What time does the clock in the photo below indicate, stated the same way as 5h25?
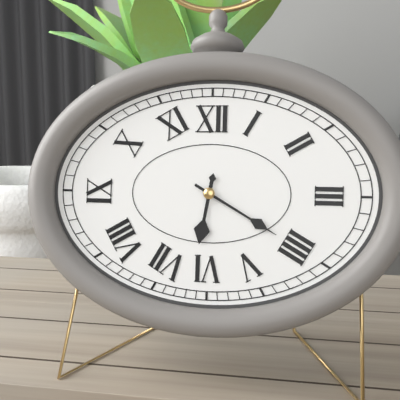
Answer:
6h20
